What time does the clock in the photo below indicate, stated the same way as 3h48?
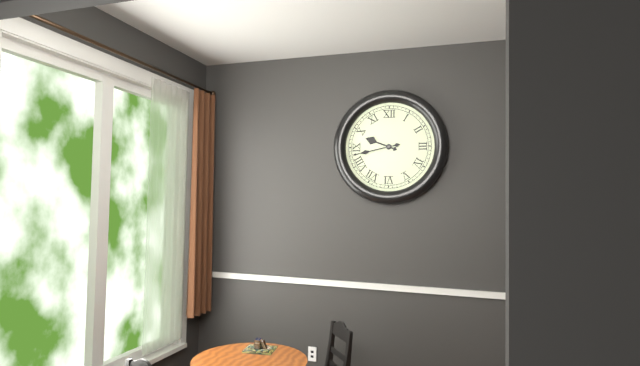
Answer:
9h43
